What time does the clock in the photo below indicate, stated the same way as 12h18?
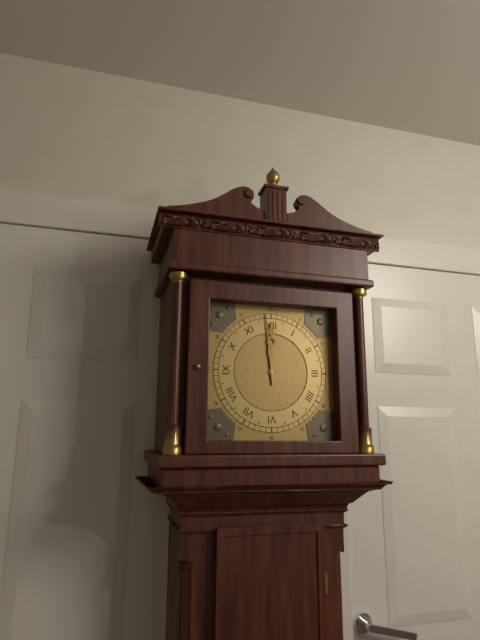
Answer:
11h59
